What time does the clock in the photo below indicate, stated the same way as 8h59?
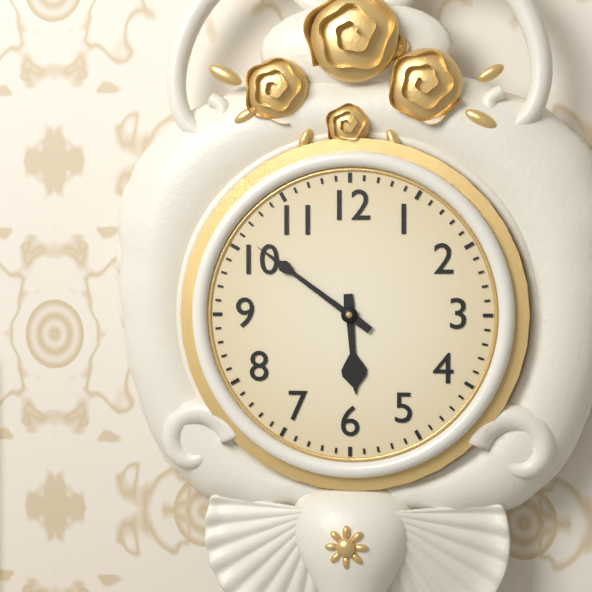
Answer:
5h51
